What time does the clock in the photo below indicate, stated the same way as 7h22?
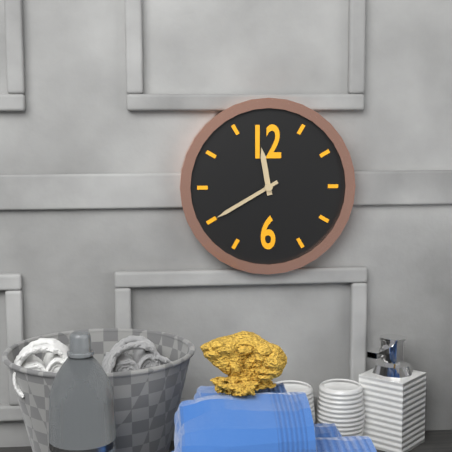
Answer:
11h40
